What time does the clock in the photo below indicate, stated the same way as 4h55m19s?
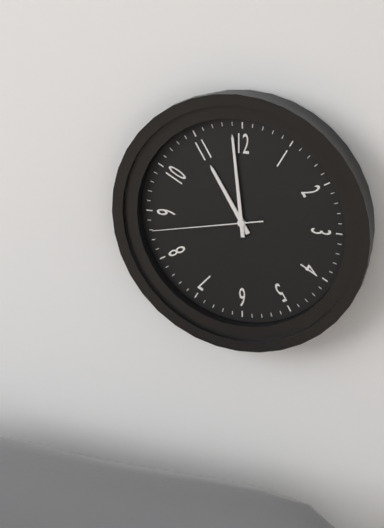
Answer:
10h59m43s
